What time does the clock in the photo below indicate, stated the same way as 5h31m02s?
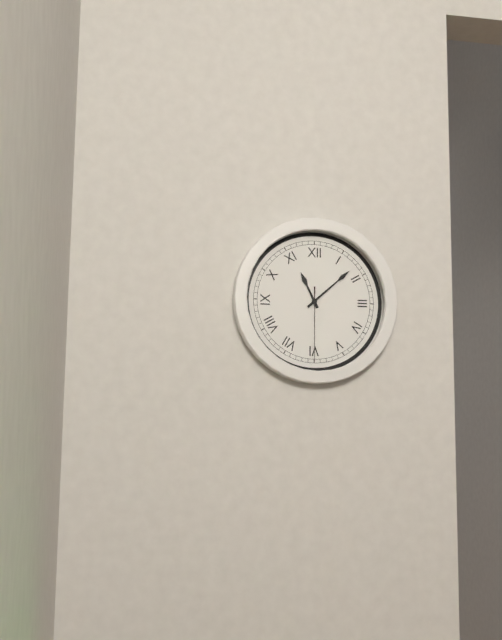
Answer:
11h08m30s
